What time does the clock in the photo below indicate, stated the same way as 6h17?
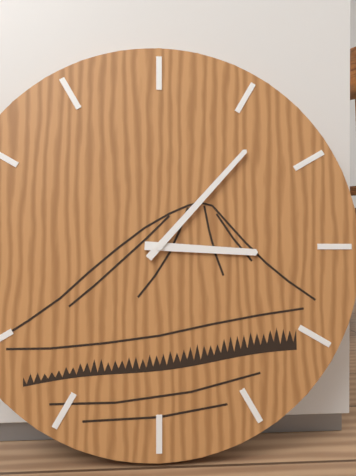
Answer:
3h07
